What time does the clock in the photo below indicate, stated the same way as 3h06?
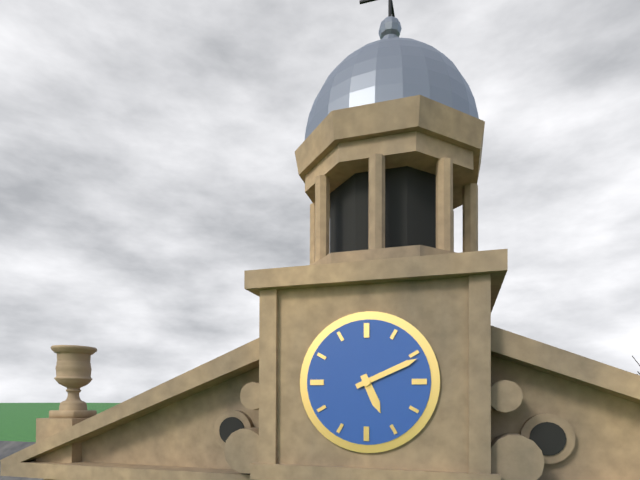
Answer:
5h11
